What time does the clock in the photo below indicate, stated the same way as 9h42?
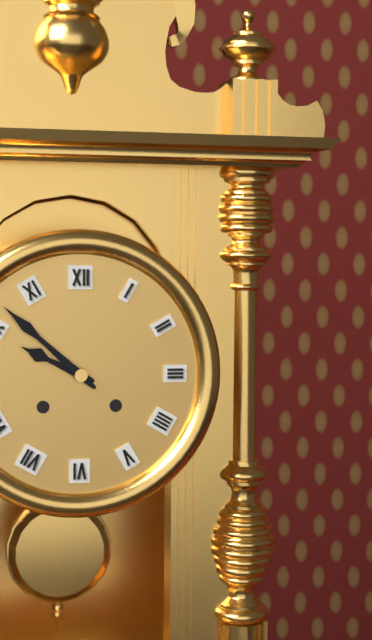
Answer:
9h52
